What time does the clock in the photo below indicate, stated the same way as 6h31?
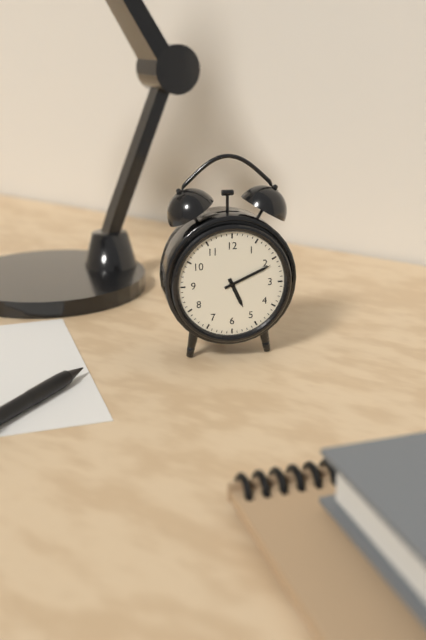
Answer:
5h11
